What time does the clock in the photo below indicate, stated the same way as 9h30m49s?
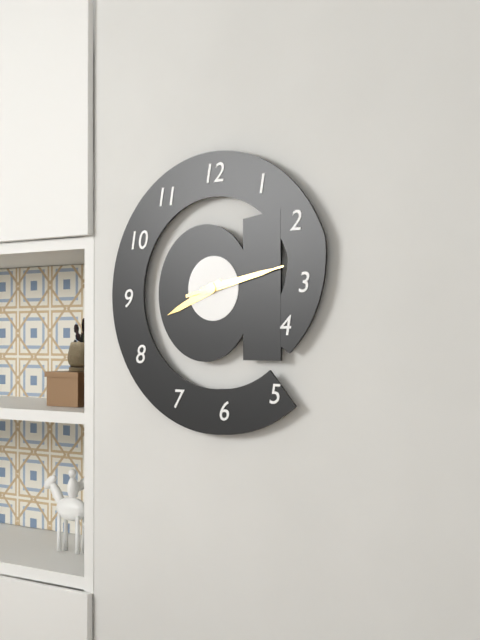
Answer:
8h13m13s
